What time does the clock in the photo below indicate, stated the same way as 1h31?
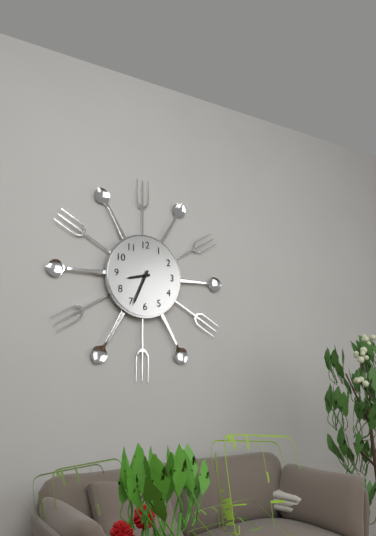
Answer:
8h34
